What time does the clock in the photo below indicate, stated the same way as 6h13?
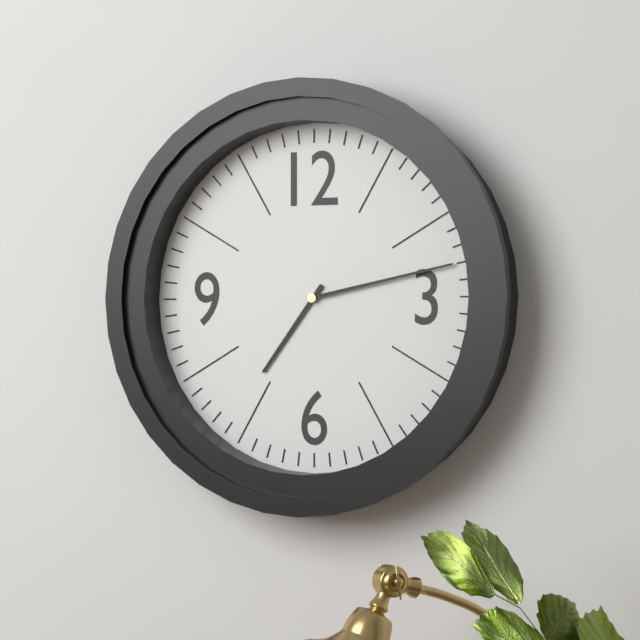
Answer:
7h13
